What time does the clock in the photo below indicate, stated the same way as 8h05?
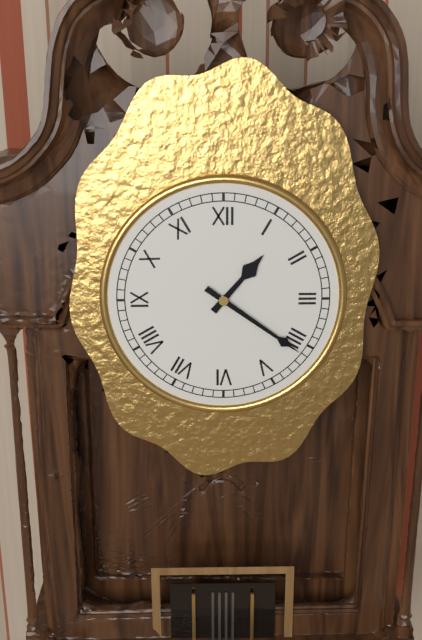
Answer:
1h21
